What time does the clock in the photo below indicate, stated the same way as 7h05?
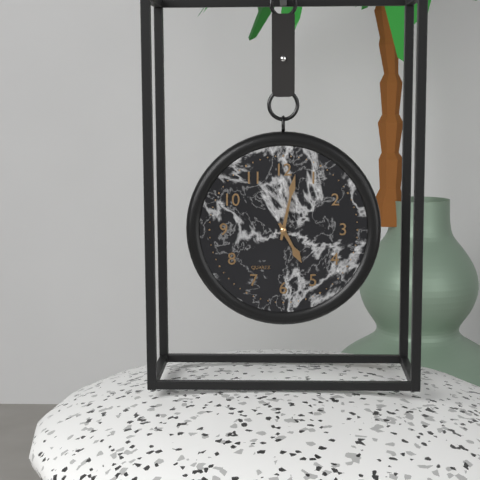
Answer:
5h02
